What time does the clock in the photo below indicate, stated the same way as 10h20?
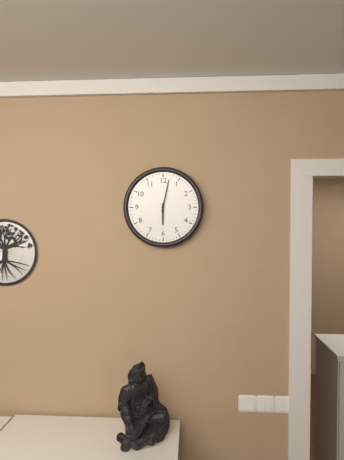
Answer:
6h02
